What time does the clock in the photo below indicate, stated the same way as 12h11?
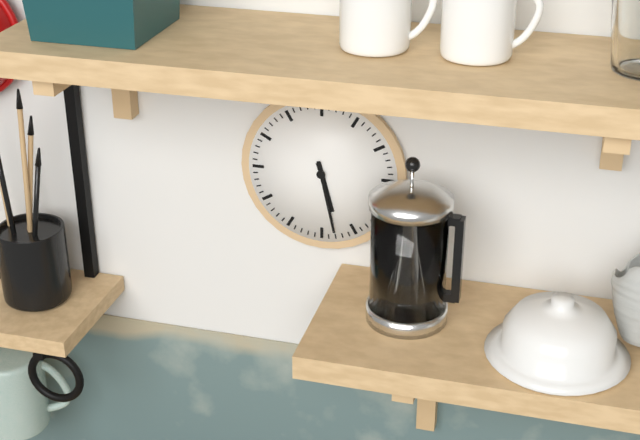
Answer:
5h28
